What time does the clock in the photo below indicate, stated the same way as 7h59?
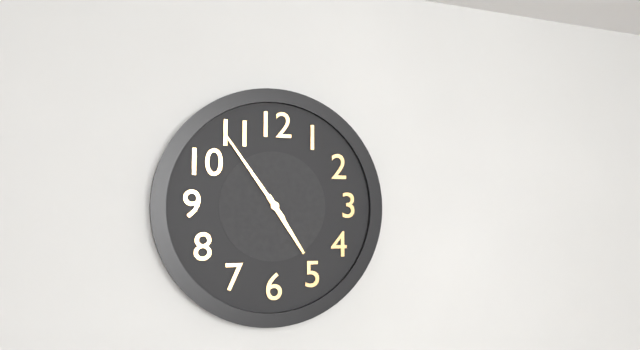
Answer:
4h54
